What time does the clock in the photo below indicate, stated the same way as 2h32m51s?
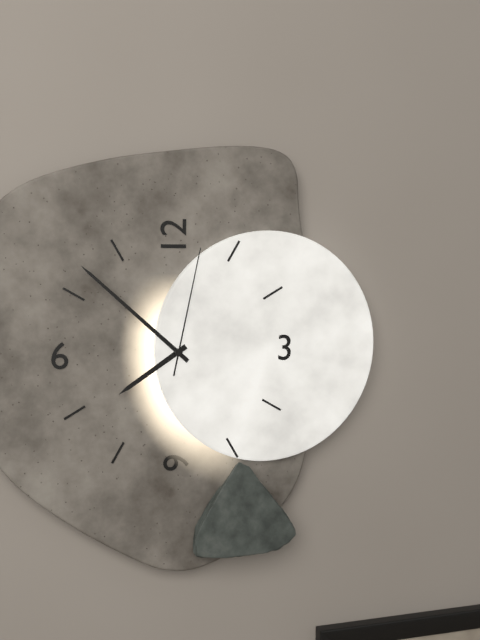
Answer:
7h52m02s
